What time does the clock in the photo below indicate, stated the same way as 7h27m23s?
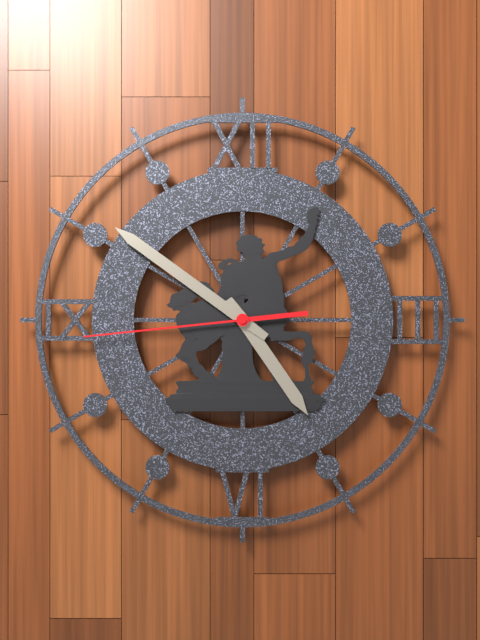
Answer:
4h51m44s
